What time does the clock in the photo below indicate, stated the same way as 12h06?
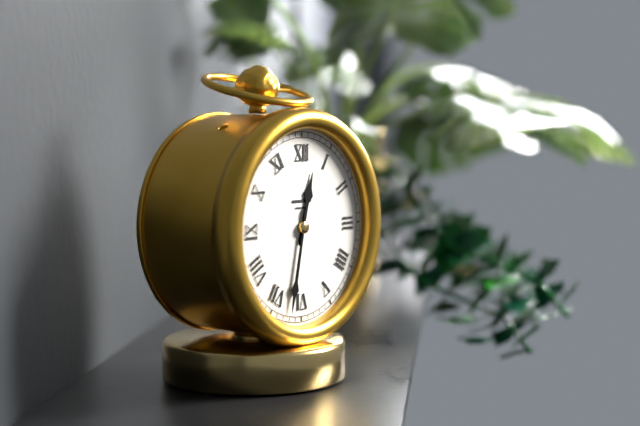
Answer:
12h32
